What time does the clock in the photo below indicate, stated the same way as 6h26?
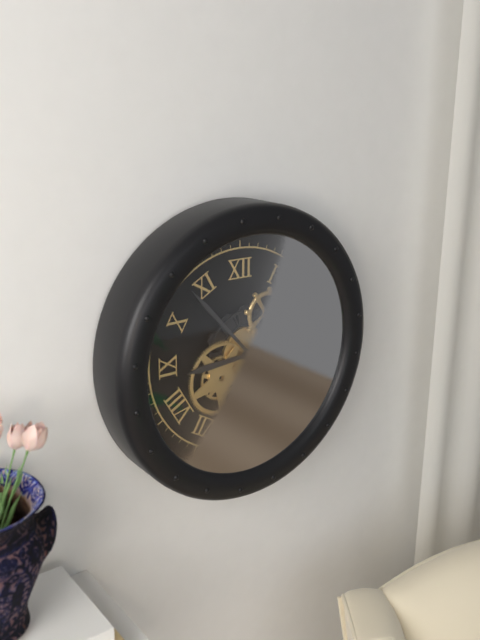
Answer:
8h53
